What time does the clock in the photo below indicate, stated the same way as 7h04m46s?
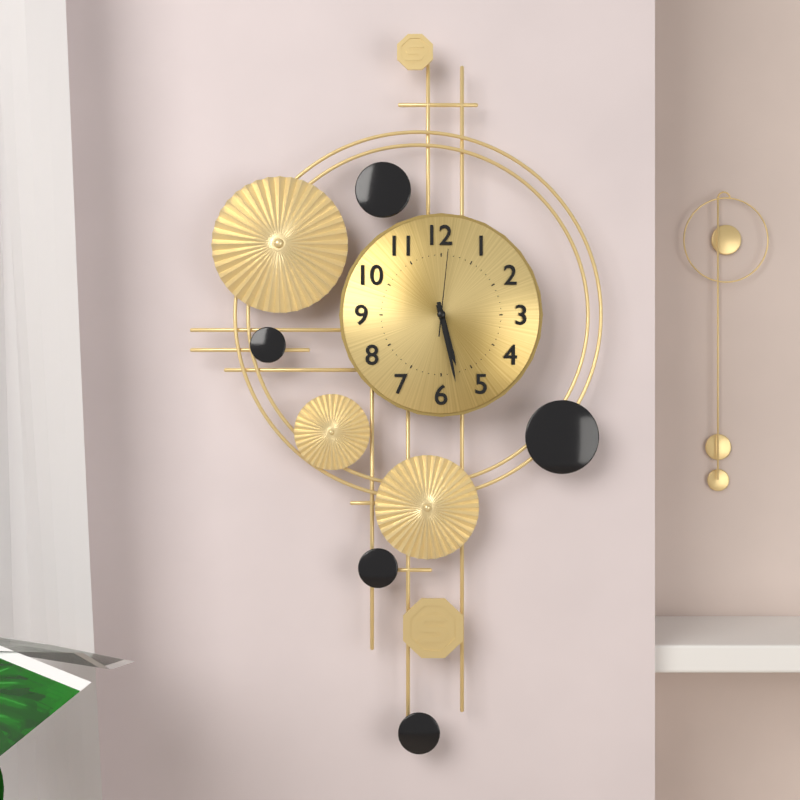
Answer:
5h28m01s
